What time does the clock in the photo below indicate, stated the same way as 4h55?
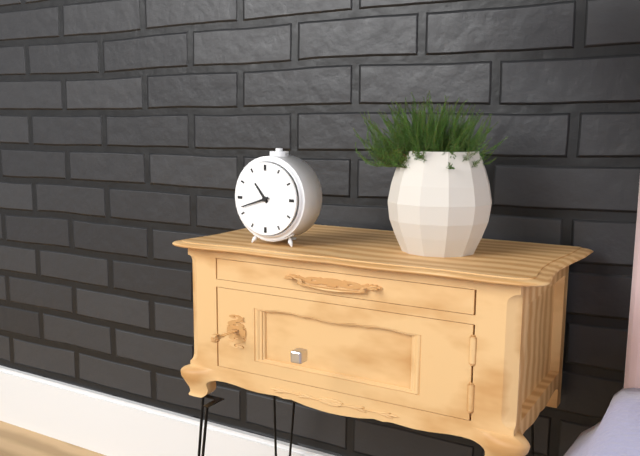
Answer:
10h42
